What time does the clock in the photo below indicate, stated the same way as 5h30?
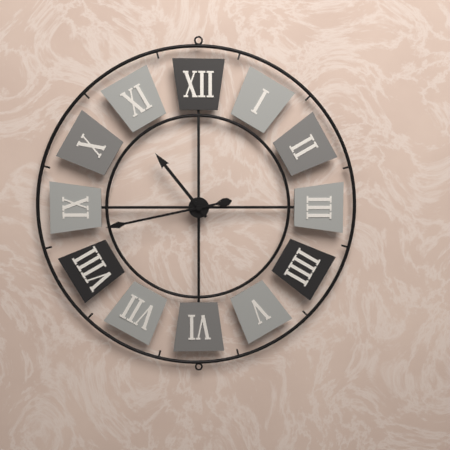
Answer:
10h43
